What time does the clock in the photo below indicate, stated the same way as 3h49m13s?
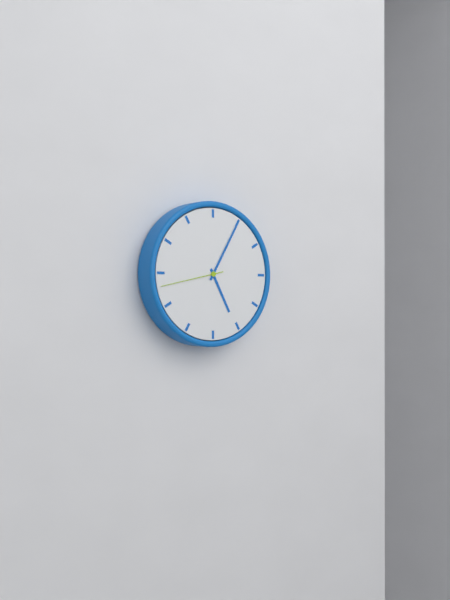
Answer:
5h05m43s
